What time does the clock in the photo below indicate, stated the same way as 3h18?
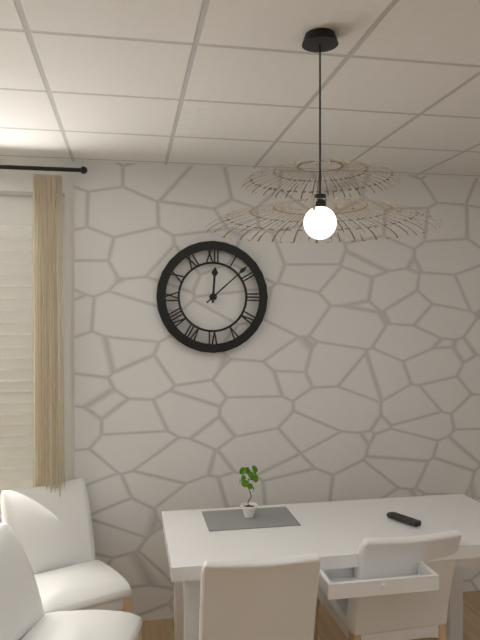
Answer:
12h08
